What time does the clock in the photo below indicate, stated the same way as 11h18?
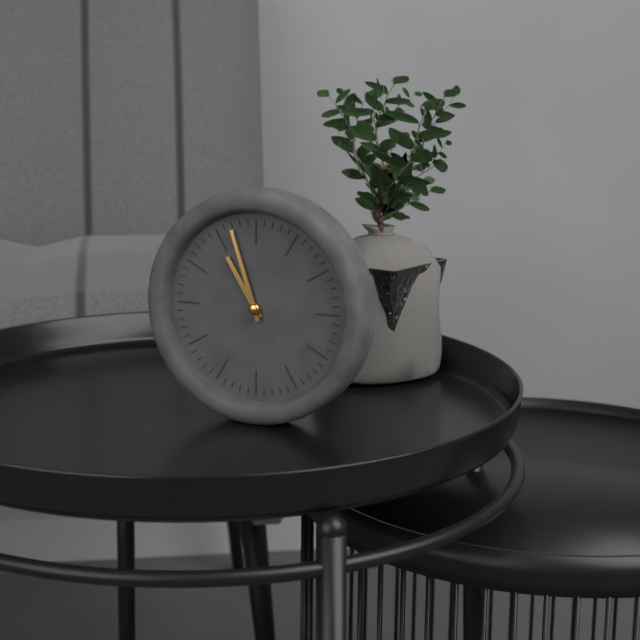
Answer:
10h57
